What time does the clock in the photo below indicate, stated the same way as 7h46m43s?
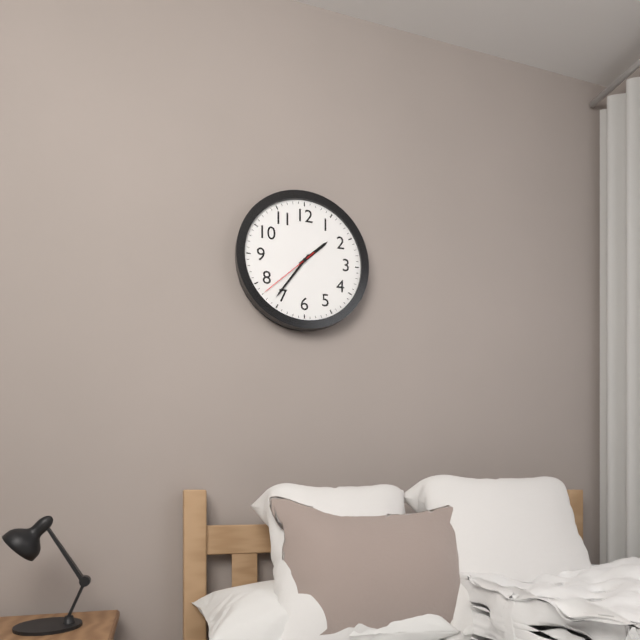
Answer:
1h36m38s
